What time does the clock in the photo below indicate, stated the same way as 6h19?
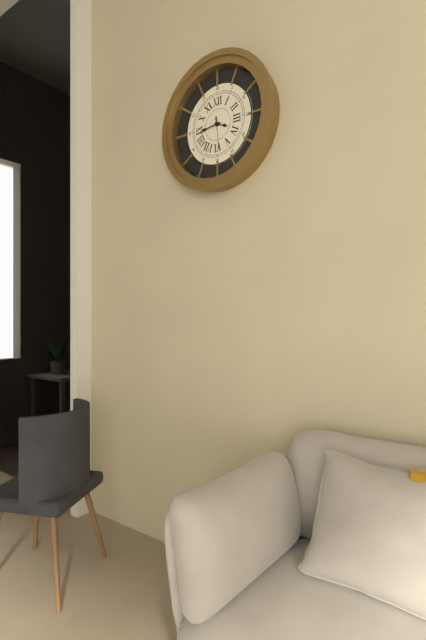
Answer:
3h44
